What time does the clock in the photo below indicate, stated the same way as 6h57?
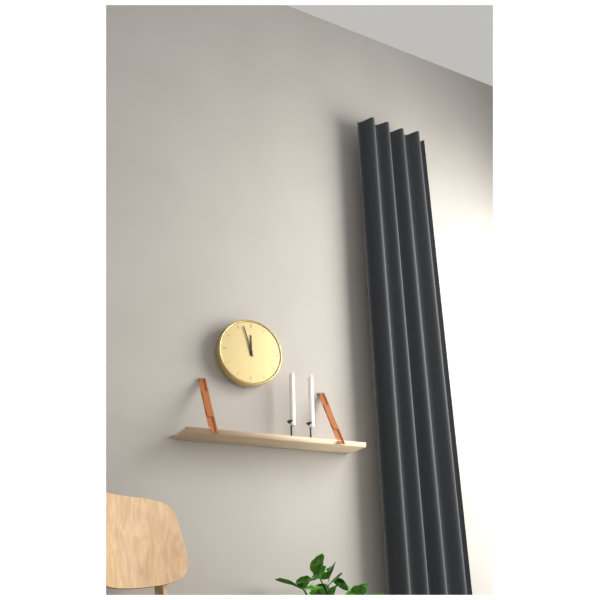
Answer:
11h57
